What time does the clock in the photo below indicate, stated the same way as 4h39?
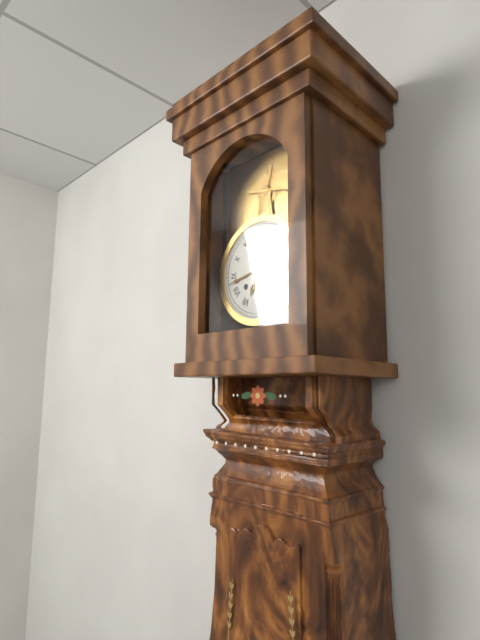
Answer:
6h43
